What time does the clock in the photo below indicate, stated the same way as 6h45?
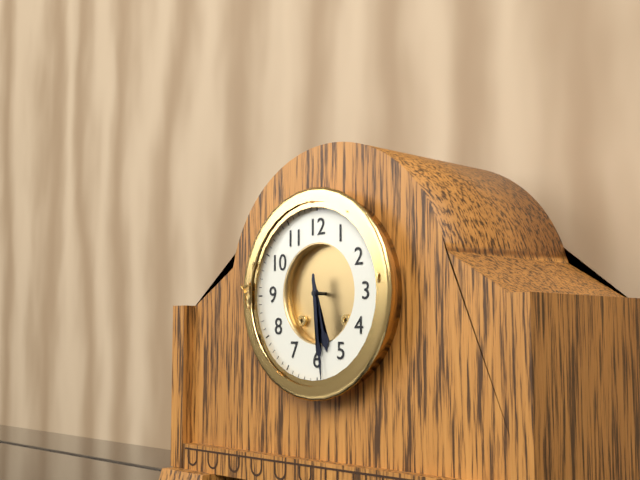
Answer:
5h29
